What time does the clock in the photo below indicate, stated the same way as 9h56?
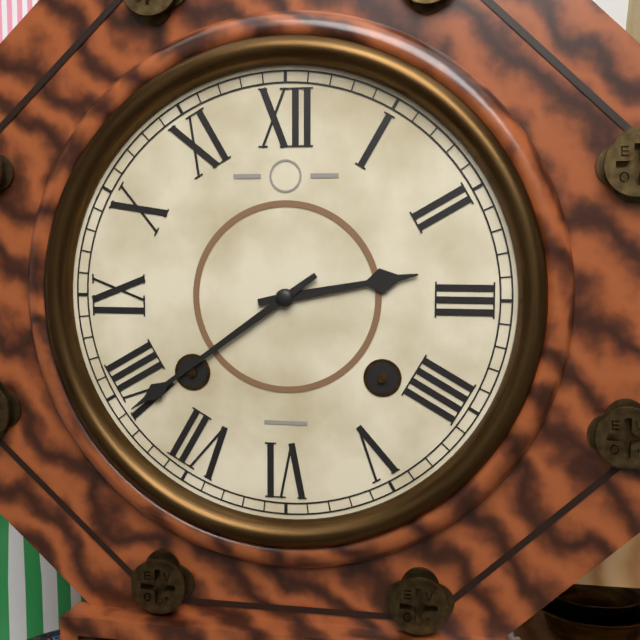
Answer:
2h39
